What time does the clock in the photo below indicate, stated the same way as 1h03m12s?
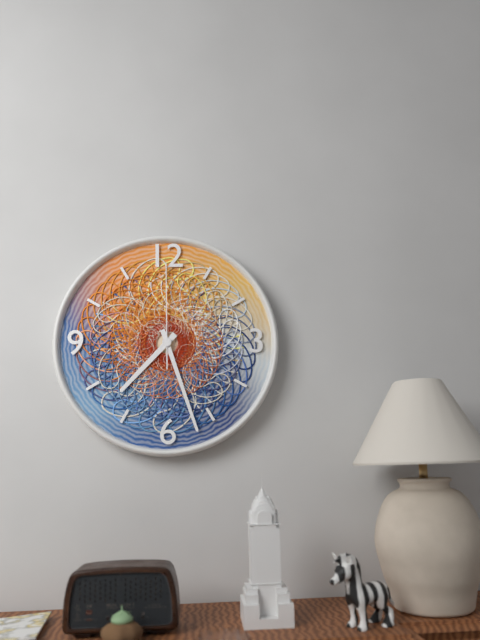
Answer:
7h27m00s
